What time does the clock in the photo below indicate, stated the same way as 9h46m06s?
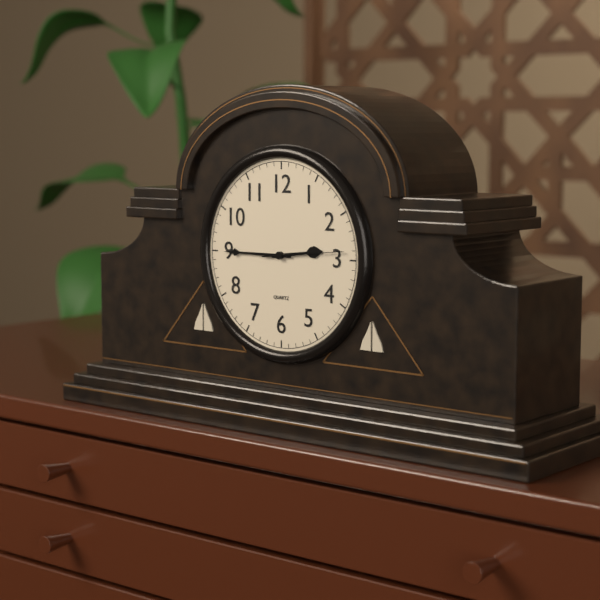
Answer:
2h45m14s
